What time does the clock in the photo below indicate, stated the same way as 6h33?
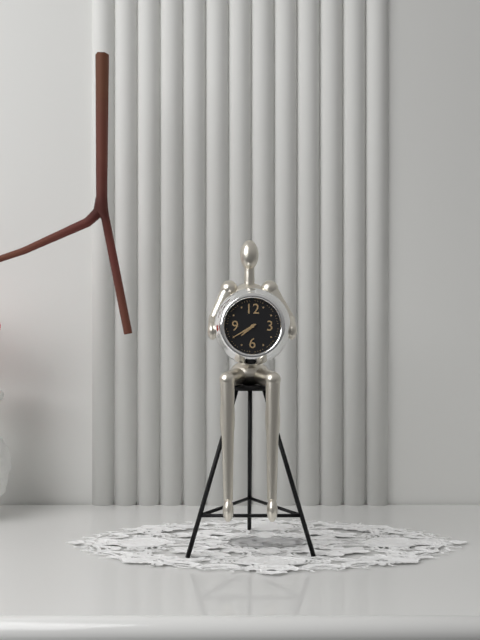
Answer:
7h40
